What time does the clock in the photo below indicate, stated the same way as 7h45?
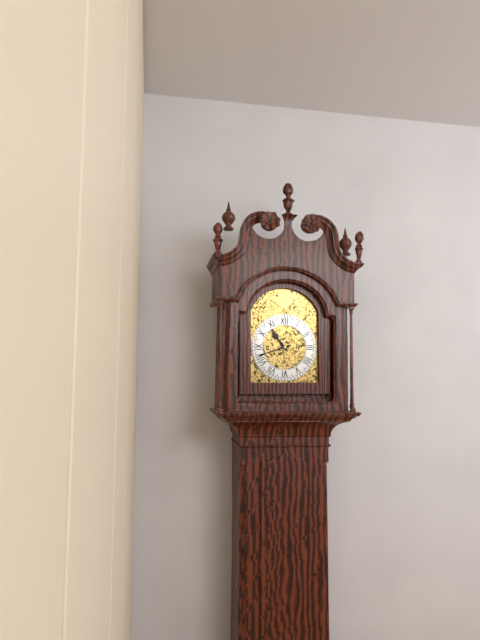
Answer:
10h42
